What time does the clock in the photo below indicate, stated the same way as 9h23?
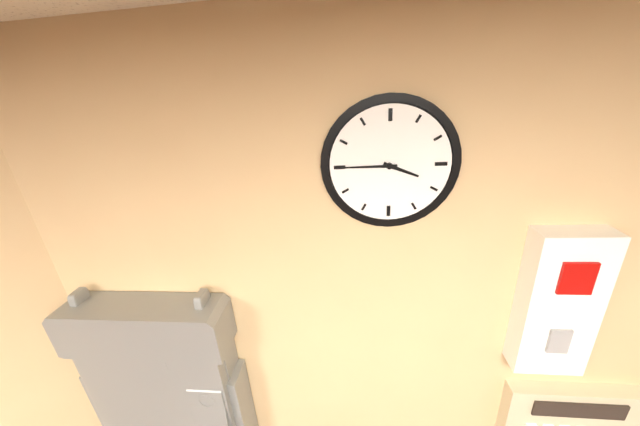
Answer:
3h45
